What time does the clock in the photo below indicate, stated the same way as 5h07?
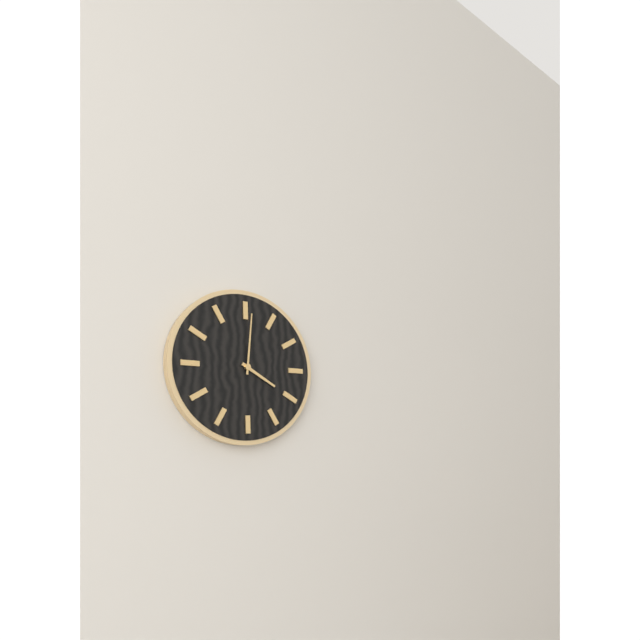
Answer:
4h01
